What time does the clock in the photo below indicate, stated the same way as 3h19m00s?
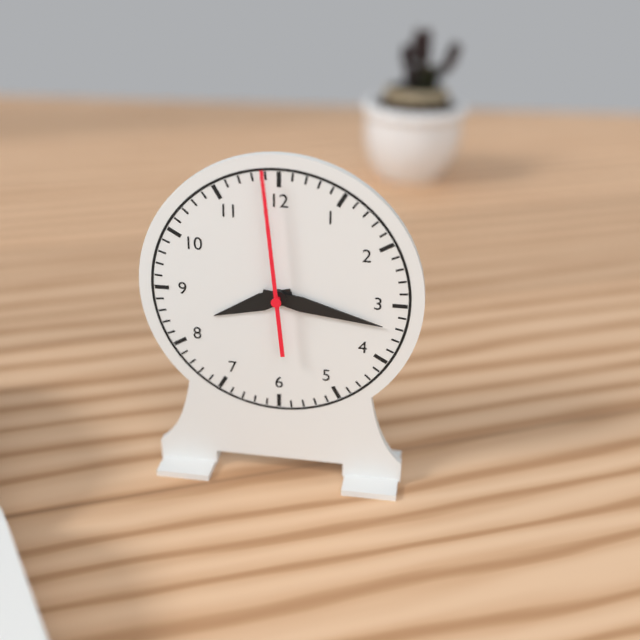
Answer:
8h17m59s
